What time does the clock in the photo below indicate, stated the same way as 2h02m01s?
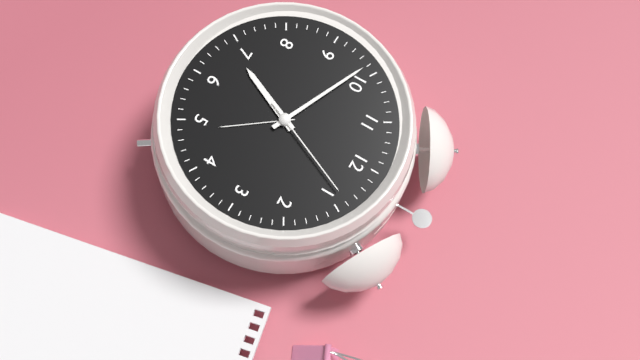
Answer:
6h49m04s
